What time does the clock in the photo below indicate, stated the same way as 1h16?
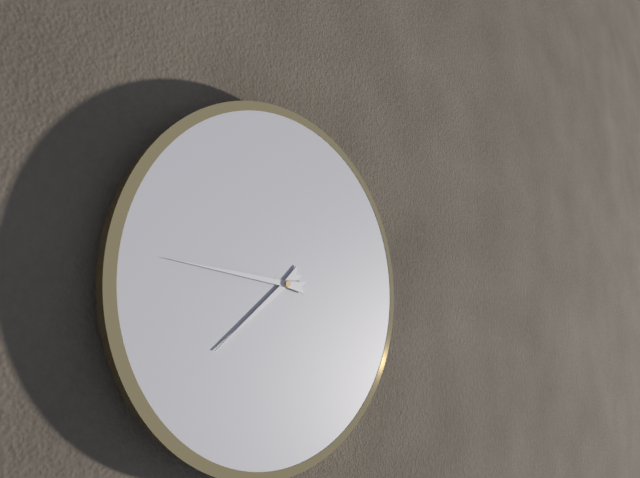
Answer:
7h46
